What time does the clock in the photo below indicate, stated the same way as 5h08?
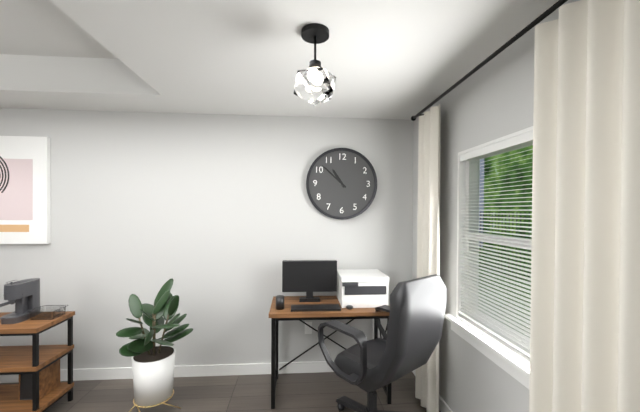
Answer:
10h52
